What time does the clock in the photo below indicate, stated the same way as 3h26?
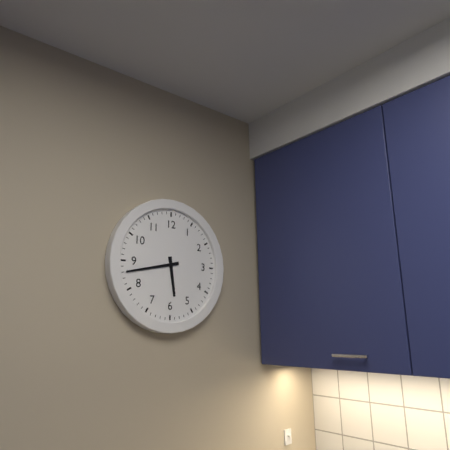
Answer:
5h43
